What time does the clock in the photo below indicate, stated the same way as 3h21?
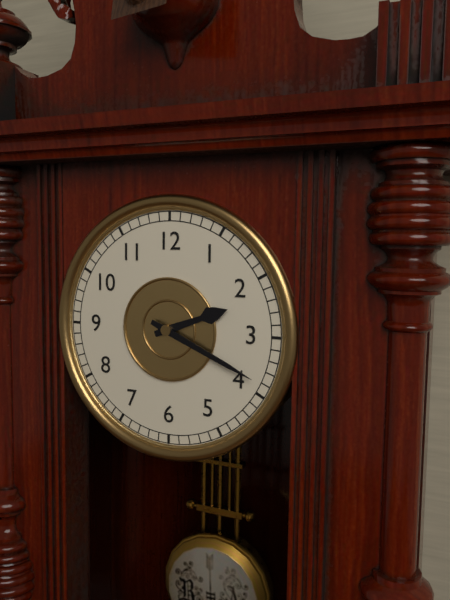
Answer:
2h19
